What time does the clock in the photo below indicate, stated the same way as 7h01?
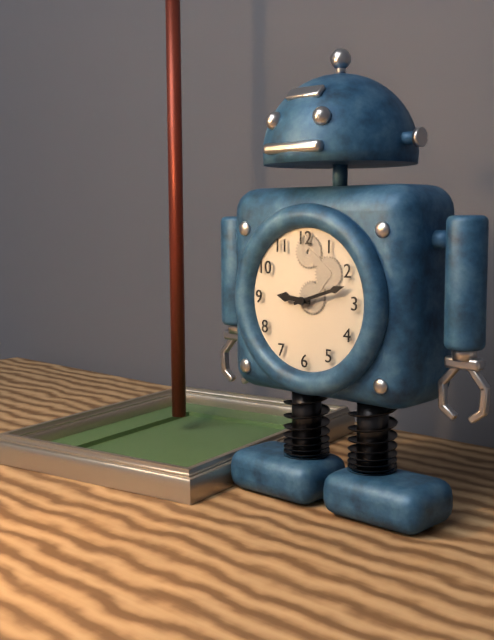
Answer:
9h12
